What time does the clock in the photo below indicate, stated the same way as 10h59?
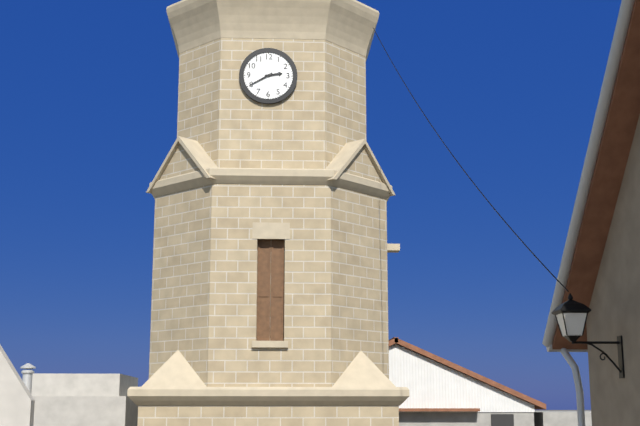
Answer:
2h40
